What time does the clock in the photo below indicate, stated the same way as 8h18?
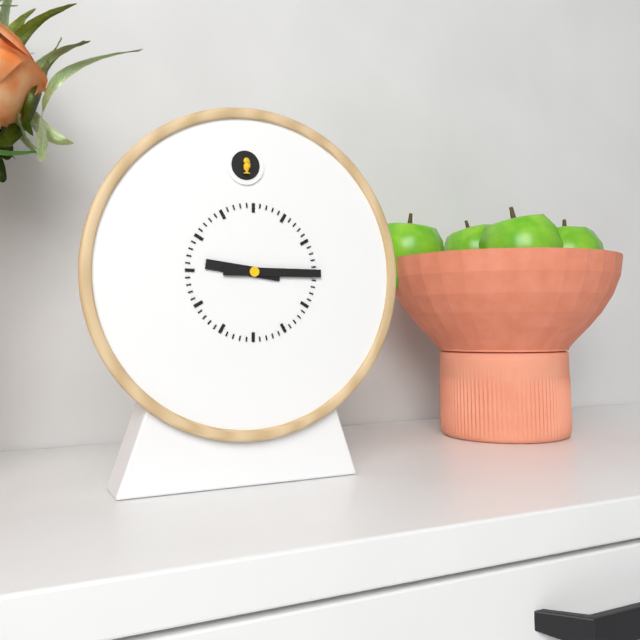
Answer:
9h15
